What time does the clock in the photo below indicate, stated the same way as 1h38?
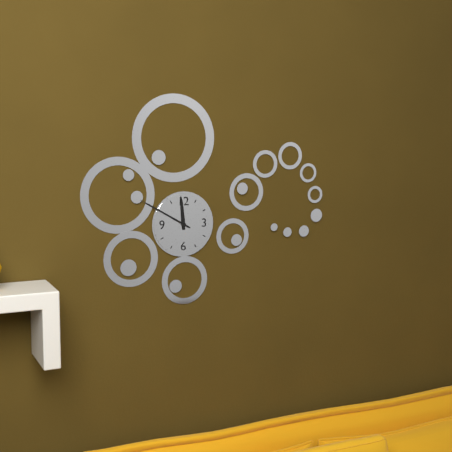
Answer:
11h50
